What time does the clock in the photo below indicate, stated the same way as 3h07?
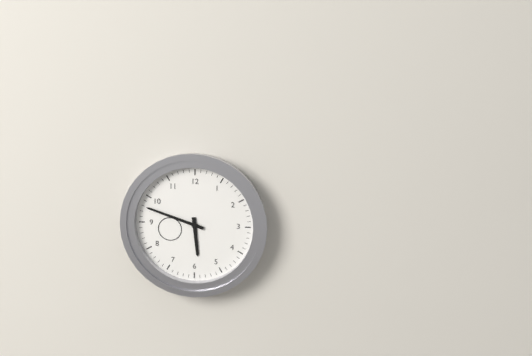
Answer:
5h48
